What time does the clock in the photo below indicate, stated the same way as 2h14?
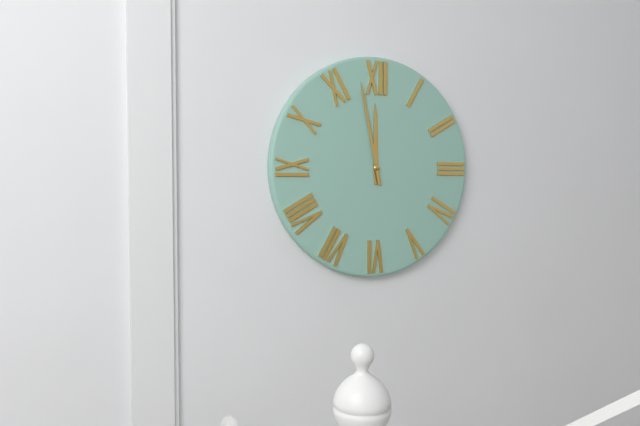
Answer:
11h58
